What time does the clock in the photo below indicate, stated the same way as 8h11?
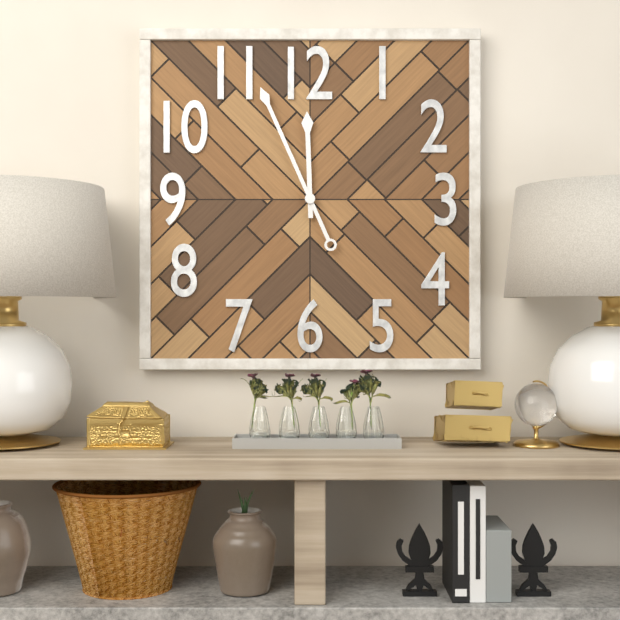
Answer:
11h56
